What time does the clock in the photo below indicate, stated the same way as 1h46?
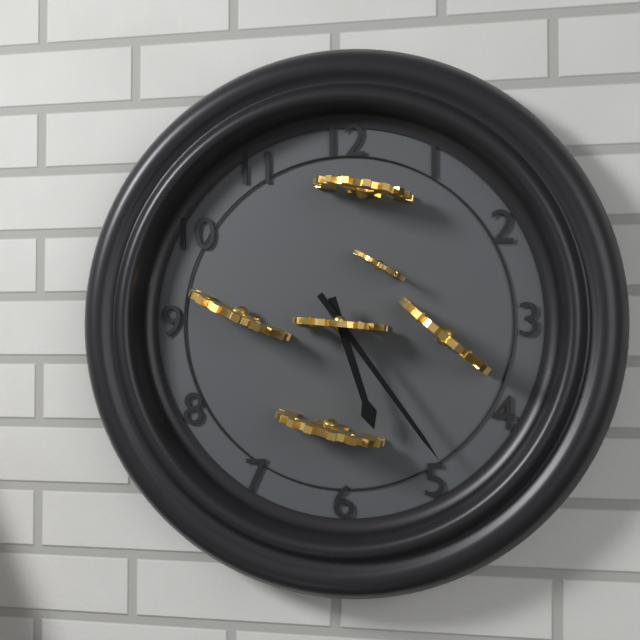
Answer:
5h24
